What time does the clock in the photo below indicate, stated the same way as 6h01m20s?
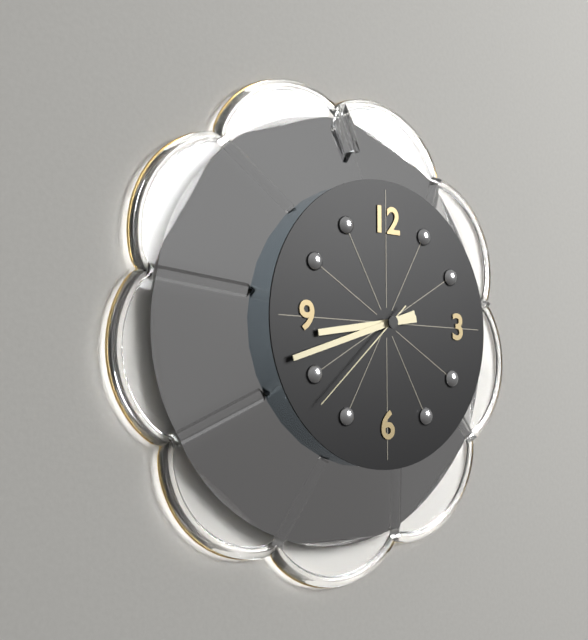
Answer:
8h42m38s
